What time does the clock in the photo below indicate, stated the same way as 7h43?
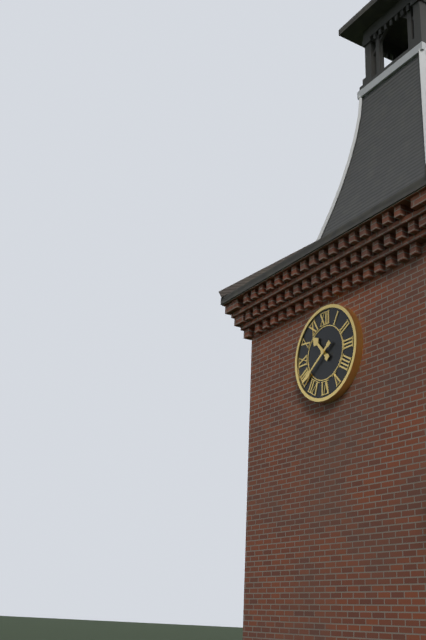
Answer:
10h39
